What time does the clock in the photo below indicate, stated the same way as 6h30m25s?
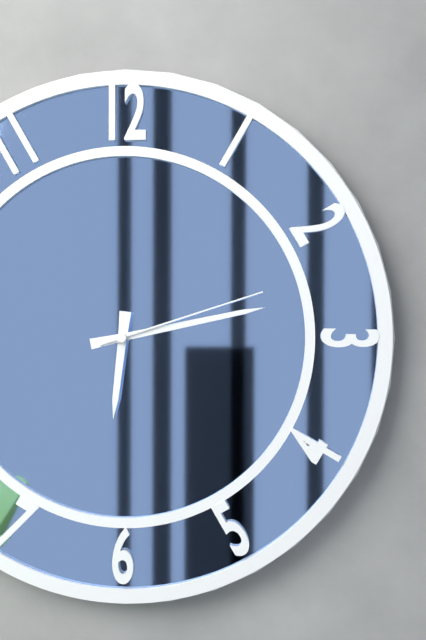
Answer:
6h13m12s
